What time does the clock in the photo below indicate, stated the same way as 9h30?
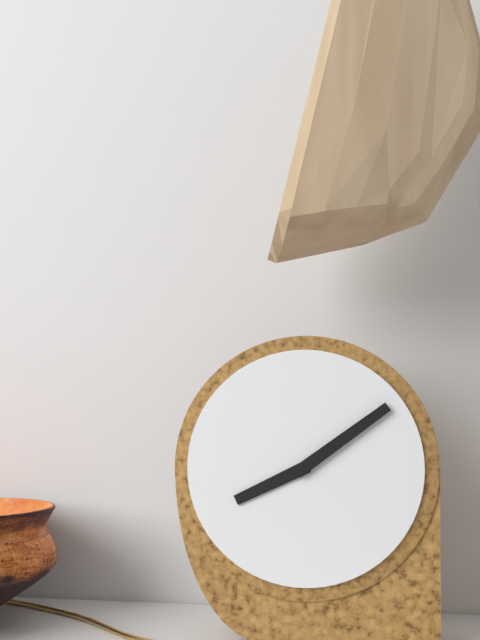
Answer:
8h09
